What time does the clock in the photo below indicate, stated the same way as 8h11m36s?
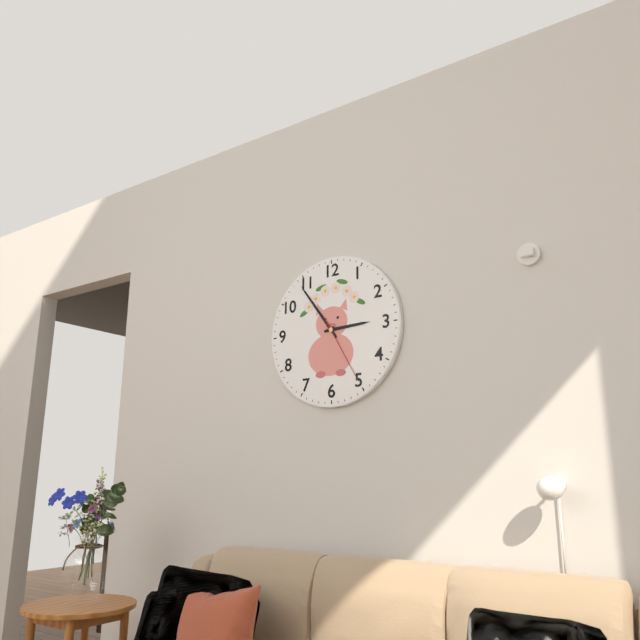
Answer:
2h54m25s
